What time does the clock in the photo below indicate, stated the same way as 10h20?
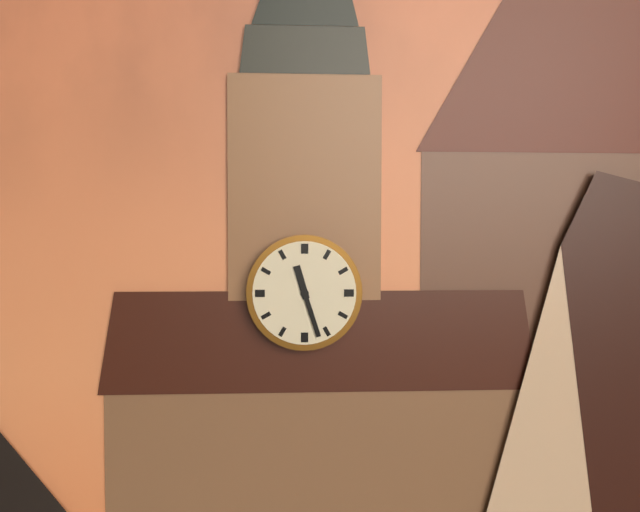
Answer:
11h27
